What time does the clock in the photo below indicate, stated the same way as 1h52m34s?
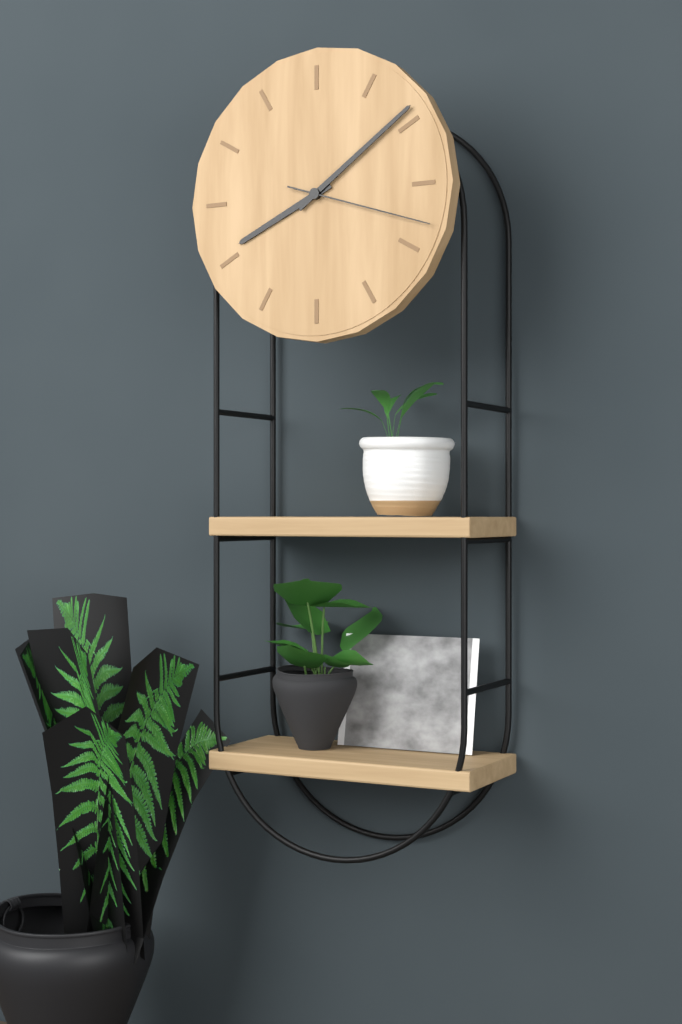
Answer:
8h09m18s
